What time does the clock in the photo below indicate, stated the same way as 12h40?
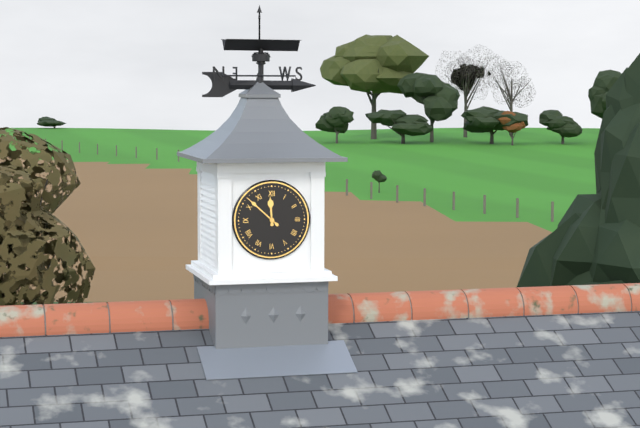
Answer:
11h52
